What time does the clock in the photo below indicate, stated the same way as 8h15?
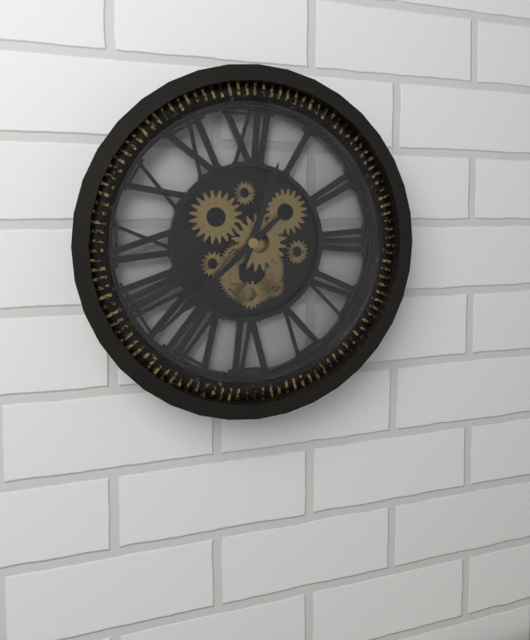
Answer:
12h38
